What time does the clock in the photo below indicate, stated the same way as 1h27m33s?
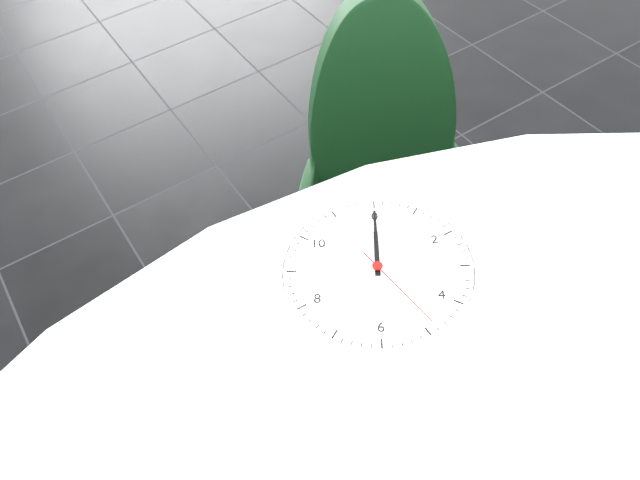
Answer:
12h00m24s
